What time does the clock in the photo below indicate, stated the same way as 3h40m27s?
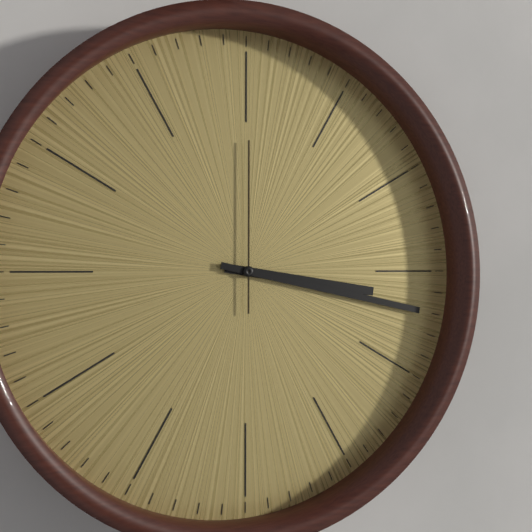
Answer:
3h17m00s
